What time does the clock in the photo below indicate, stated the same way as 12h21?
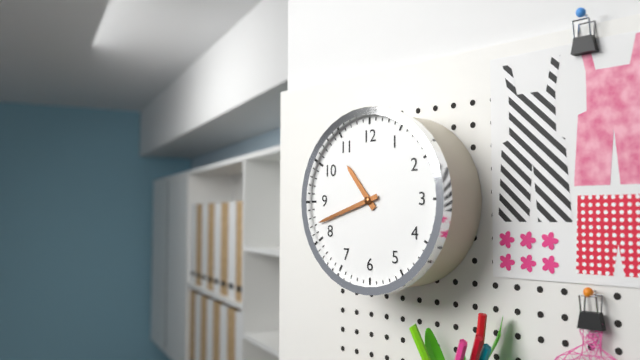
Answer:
10h42
